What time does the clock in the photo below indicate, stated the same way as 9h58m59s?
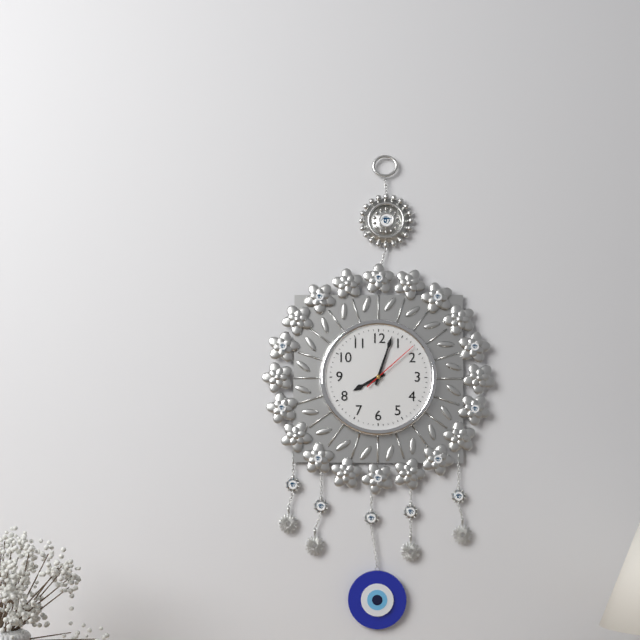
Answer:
8h03m08s
